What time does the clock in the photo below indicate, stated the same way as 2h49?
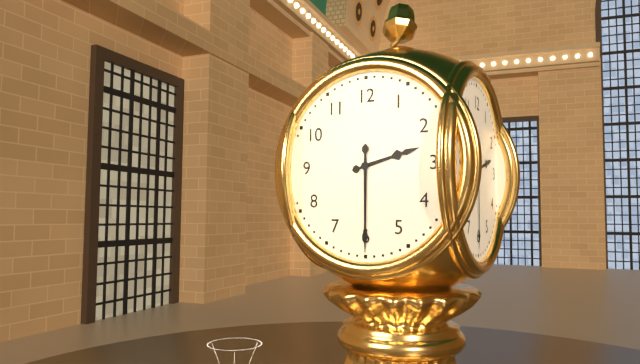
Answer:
2h30
